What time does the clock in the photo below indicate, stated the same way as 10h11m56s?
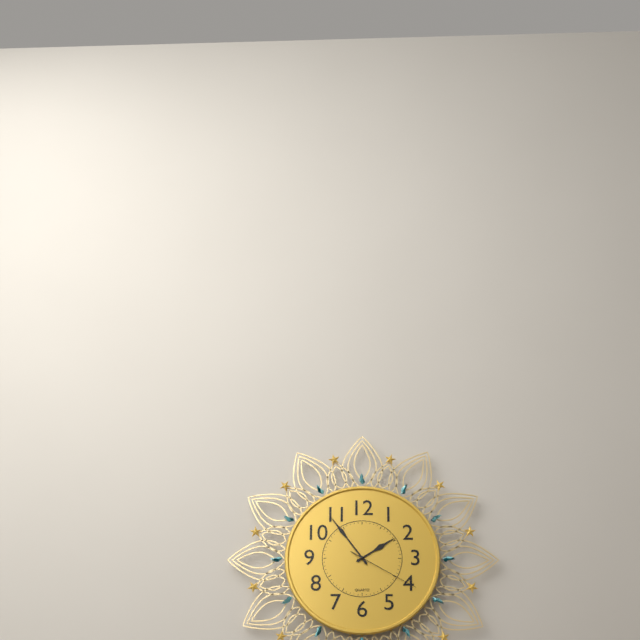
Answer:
1h54m20s
